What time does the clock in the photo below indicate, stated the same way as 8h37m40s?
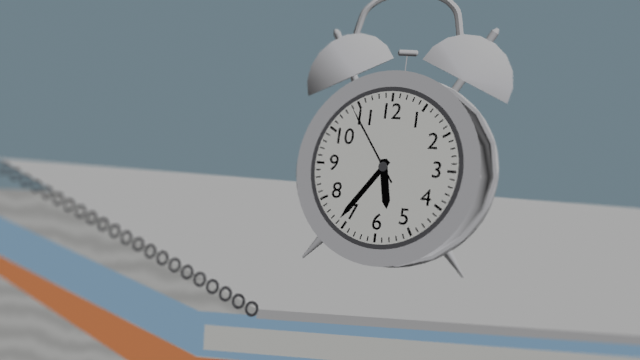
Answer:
5h36m54s
